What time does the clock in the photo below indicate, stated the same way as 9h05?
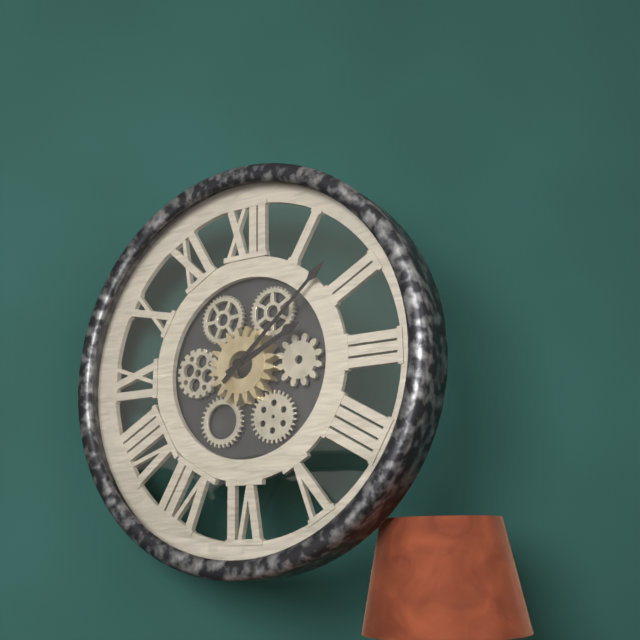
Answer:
2h08
